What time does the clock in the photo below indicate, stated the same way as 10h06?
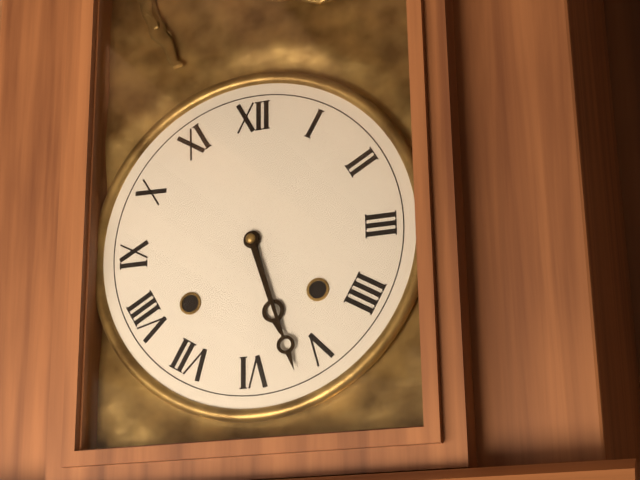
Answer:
5h27
